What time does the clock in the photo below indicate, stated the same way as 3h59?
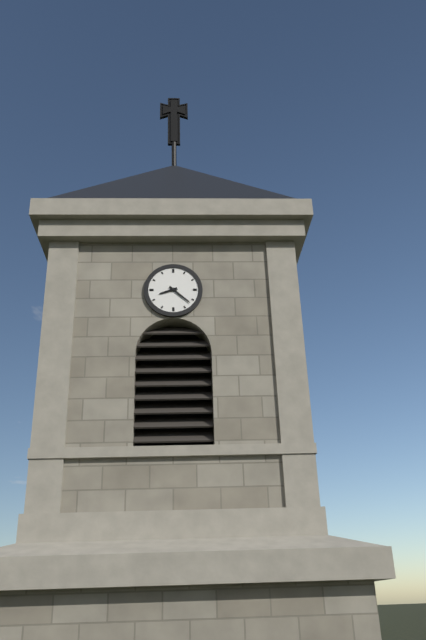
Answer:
8h22
